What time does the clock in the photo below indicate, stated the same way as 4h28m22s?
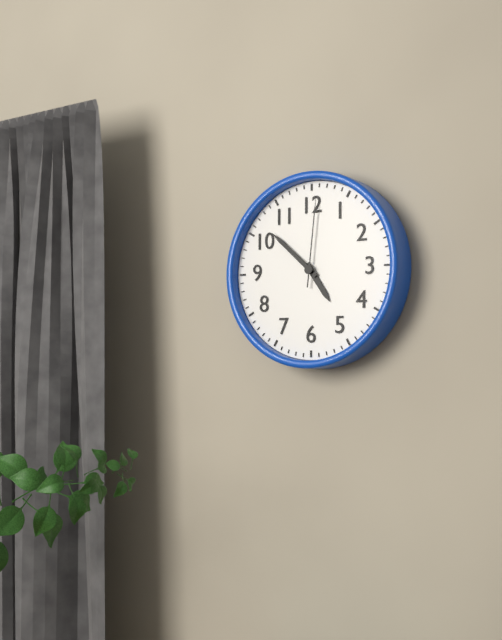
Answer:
4h52m01s
